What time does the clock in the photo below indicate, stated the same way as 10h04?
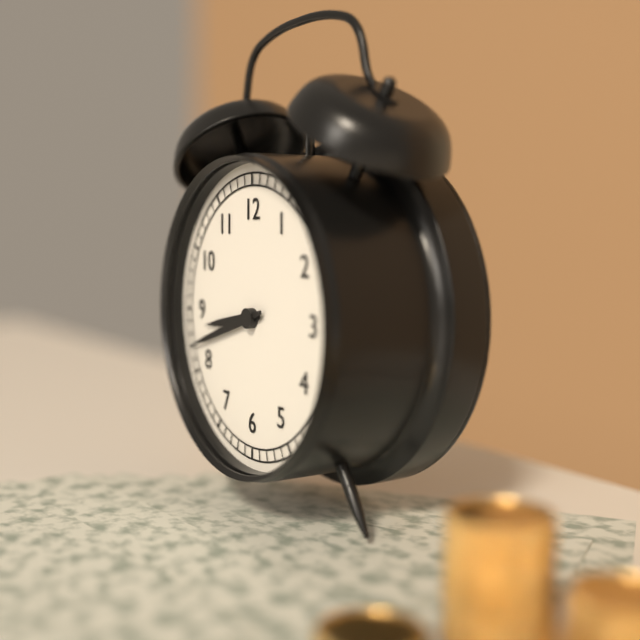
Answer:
8h42
